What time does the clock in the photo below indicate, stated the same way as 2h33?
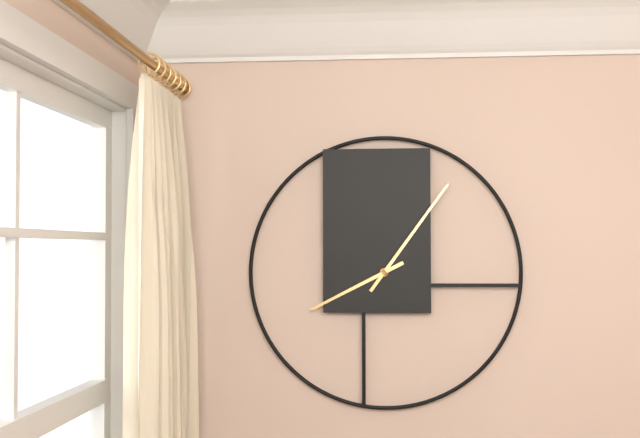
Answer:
8h06
